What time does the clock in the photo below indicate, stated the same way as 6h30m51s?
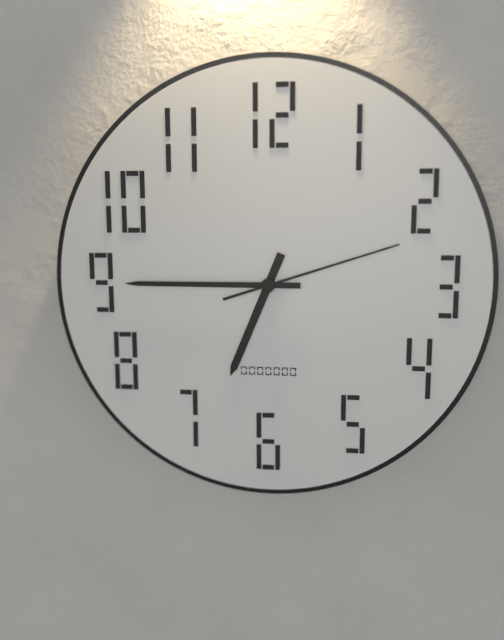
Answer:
6h45m12s
